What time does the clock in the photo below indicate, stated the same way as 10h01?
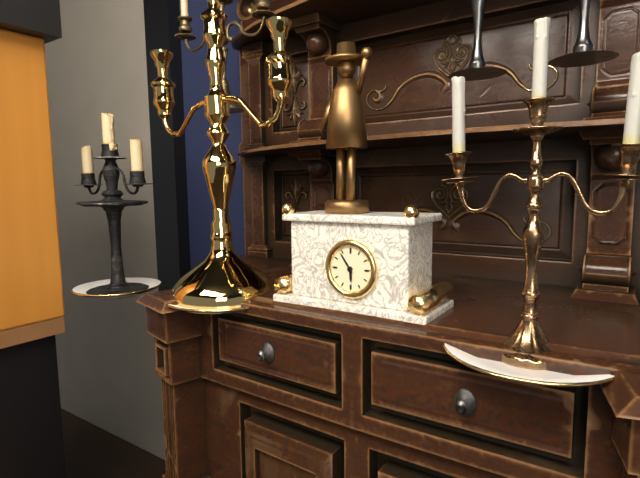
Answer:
5h54
